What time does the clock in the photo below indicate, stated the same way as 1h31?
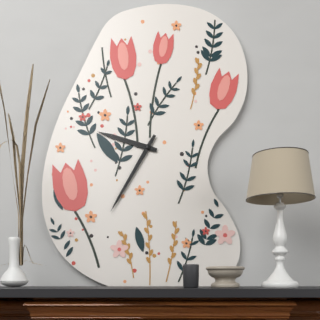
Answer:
9h35
